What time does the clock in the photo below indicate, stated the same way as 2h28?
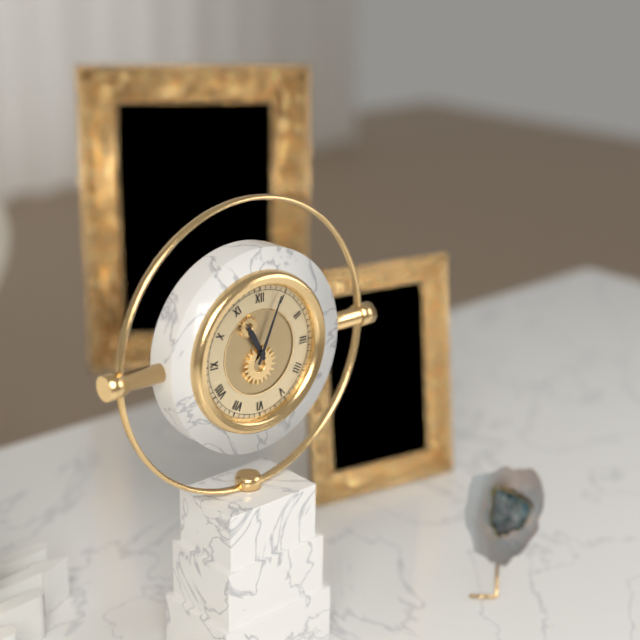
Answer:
11h04
